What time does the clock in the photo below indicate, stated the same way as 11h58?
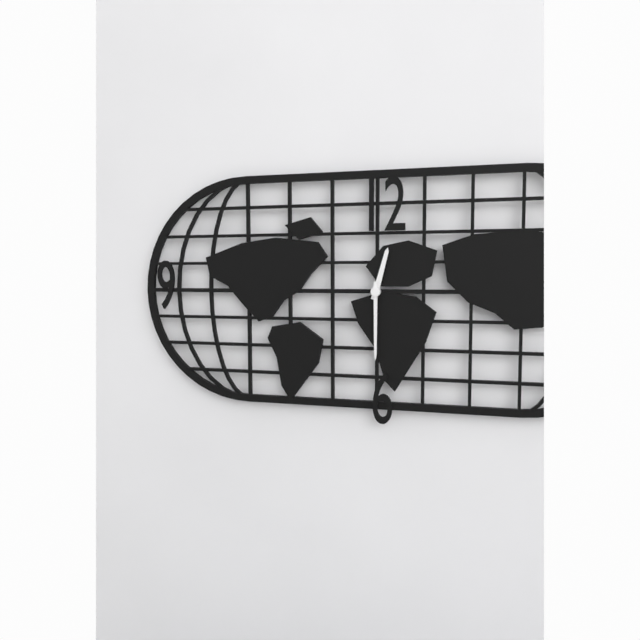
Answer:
12h30
